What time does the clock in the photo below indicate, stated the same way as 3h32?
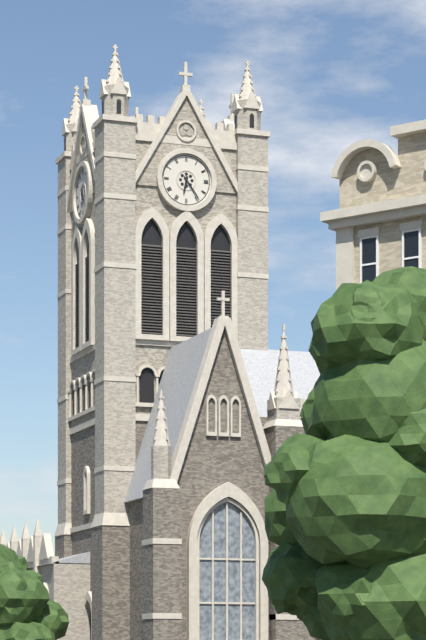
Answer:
6h24
